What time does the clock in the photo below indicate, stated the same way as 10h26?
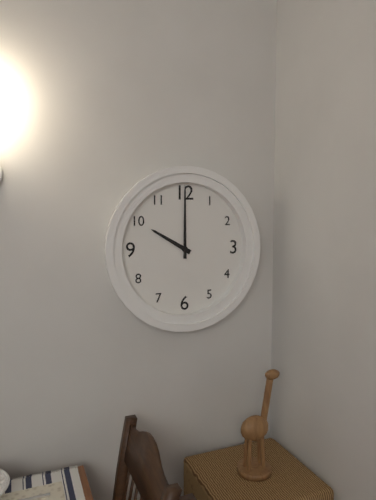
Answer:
10h00
